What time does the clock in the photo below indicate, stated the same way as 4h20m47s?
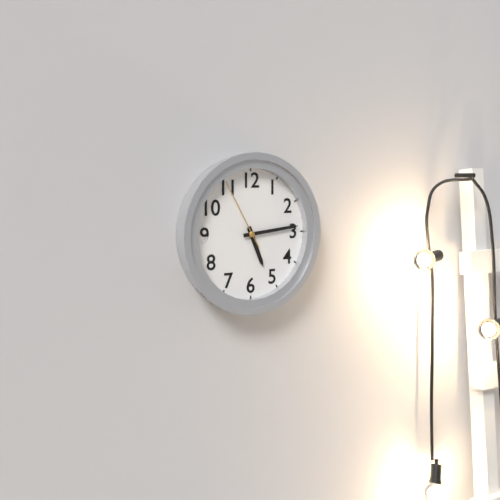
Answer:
5h14m55s
